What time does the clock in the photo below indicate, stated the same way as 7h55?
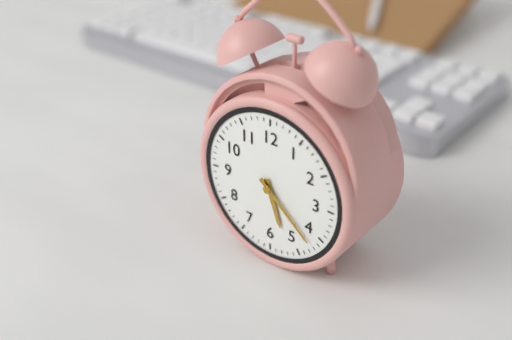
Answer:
5h22
